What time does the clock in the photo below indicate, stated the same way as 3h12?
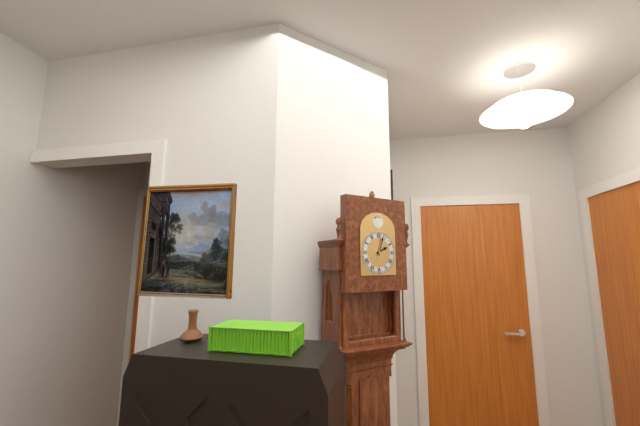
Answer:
2h03
